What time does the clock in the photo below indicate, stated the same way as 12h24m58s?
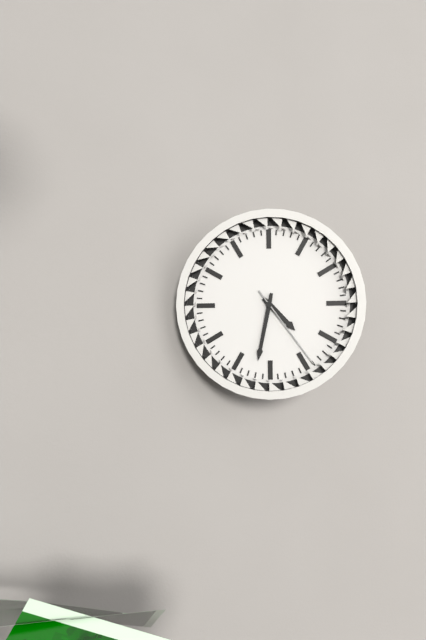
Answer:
4h32m24s
